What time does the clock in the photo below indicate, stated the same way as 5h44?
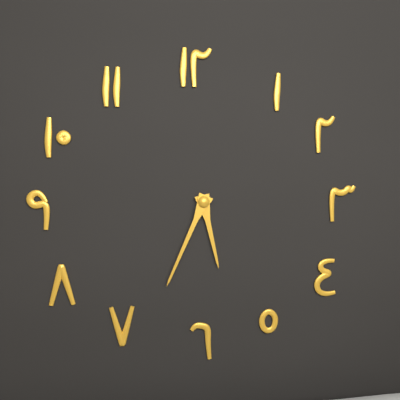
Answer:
5h34
